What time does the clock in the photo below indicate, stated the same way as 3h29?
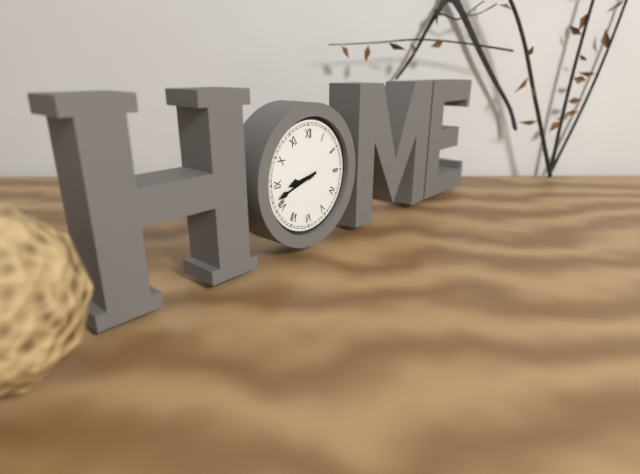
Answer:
8h42
